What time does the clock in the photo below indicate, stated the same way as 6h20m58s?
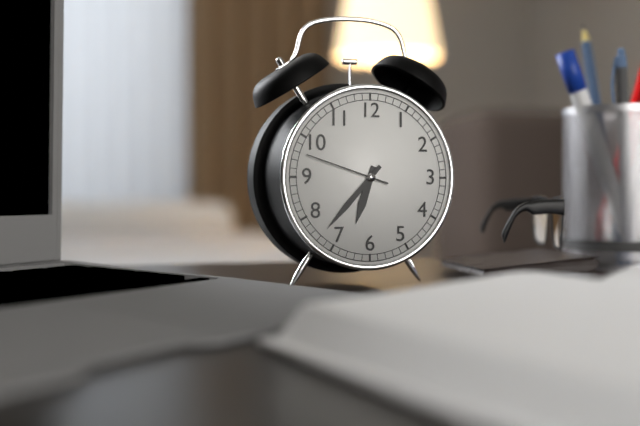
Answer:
6h37m48s
